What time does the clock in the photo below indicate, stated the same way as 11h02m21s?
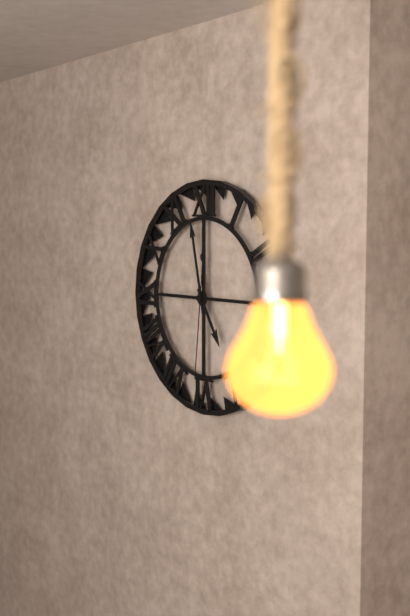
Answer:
4h58m31s
